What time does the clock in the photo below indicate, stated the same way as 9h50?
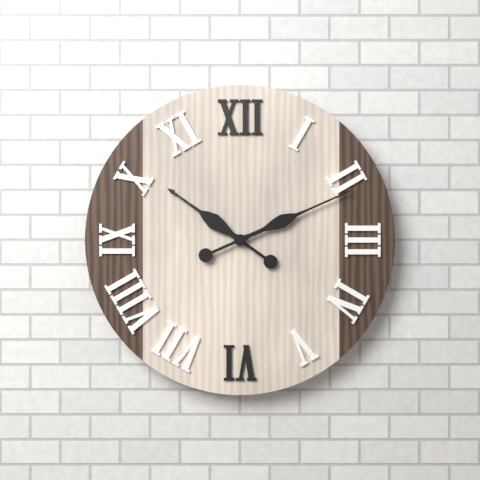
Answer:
10h11
